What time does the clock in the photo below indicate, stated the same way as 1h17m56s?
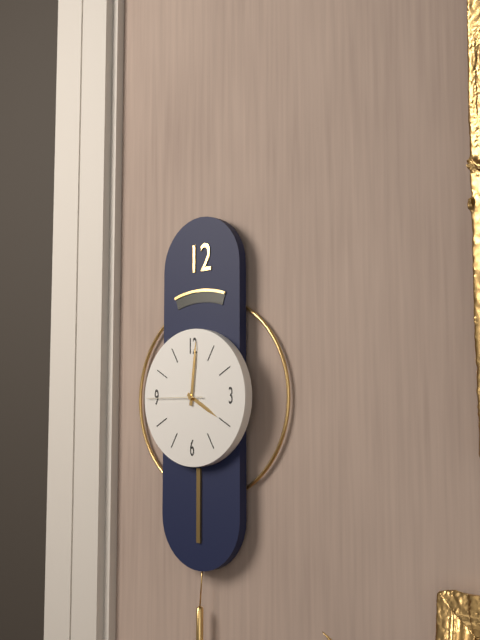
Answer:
4h01m45s
